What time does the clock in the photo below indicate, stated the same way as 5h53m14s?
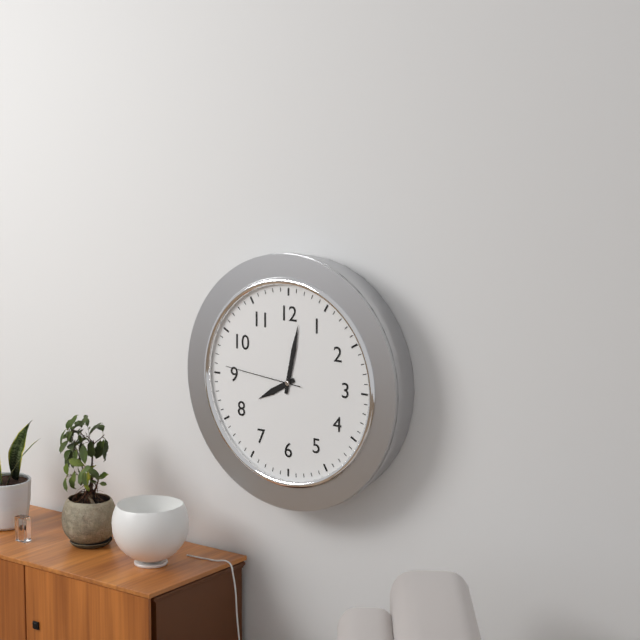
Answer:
8h02m46s
